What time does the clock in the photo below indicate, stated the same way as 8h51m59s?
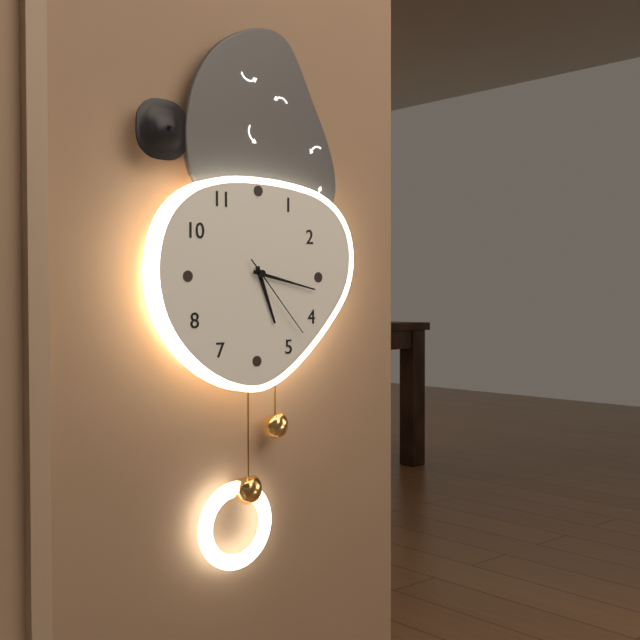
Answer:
5h17m23s
